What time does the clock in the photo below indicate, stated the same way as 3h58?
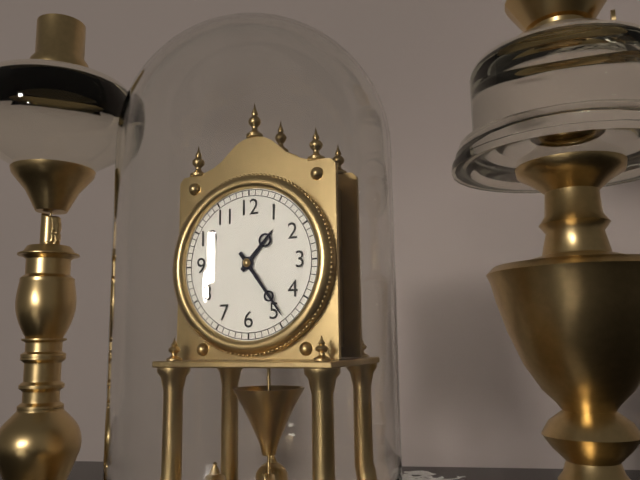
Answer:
1h24
